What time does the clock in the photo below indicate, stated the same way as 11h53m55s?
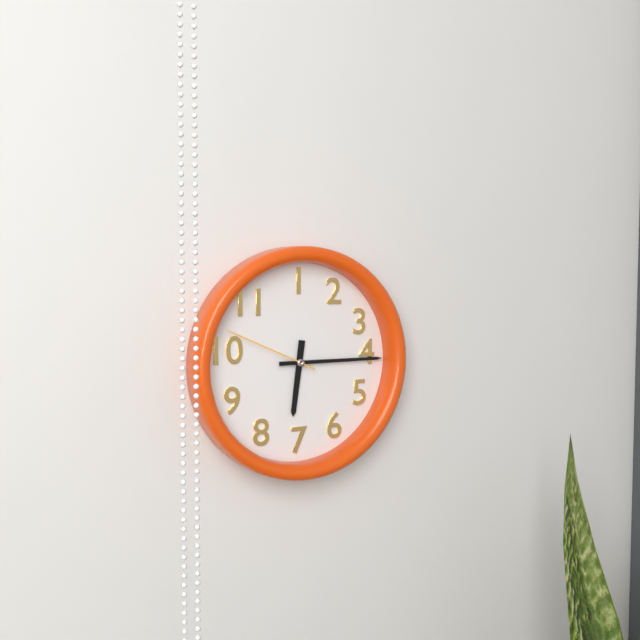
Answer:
6h15m49s
